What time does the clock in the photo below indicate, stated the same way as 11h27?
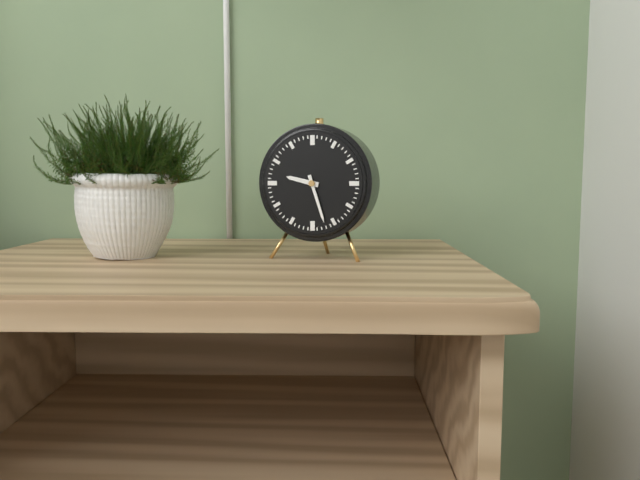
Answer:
9h27
